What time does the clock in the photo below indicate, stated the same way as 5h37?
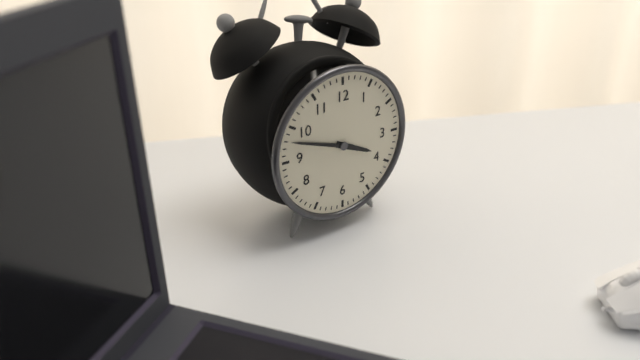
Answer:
3h48
